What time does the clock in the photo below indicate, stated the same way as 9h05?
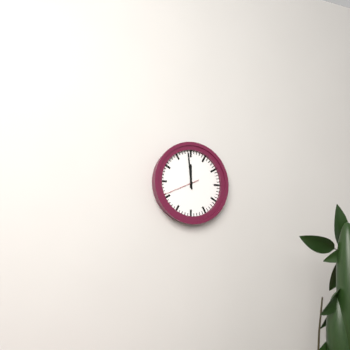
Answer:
11h59
